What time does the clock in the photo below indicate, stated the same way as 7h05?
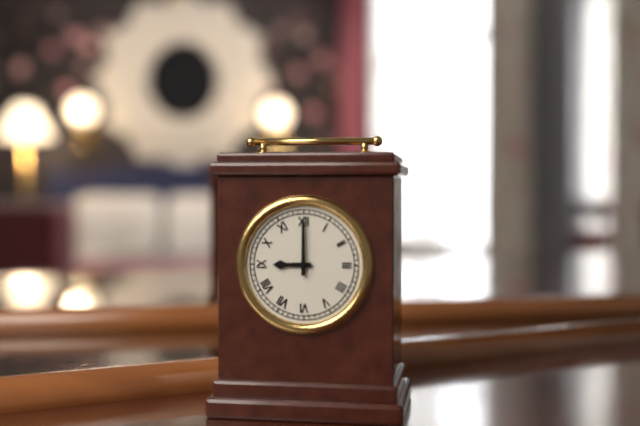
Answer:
9h00
